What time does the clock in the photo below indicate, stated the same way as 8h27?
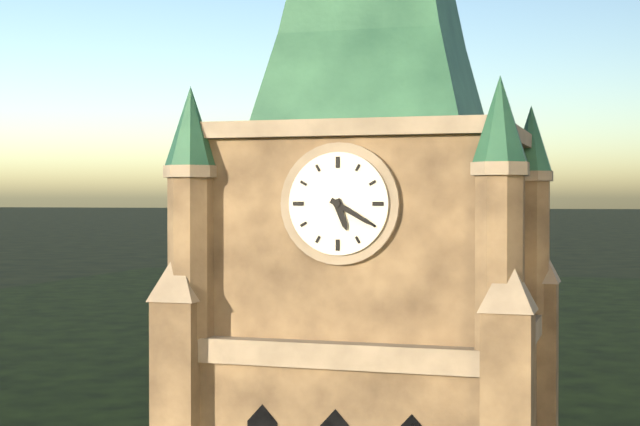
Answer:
5h20
